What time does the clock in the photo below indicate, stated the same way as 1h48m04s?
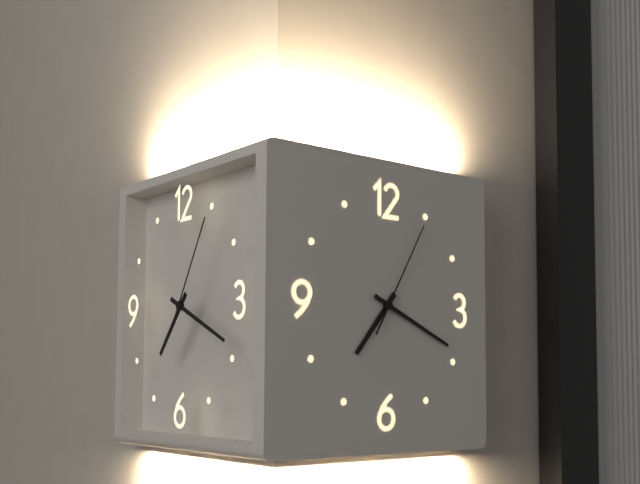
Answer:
7h19m05s
